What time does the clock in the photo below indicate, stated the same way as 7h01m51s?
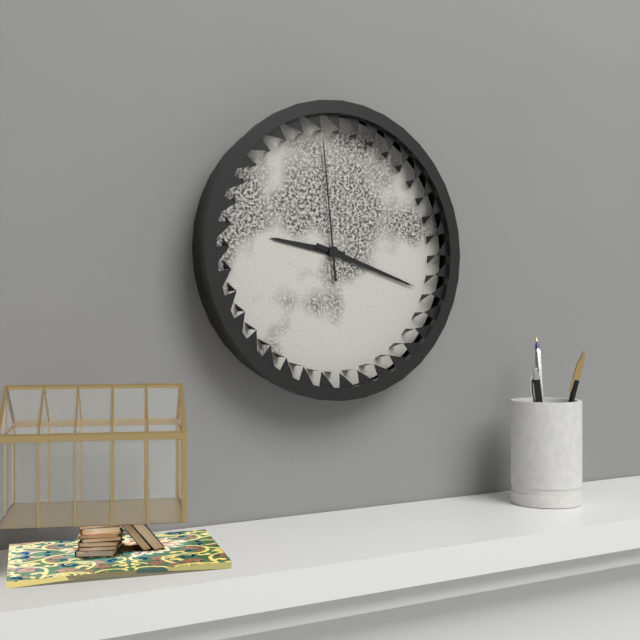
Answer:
9h18m59s
